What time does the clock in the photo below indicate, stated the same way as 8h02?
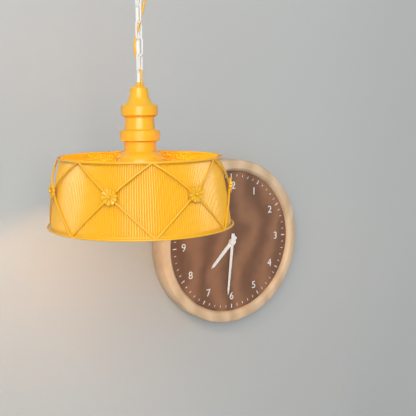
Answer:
7h31
